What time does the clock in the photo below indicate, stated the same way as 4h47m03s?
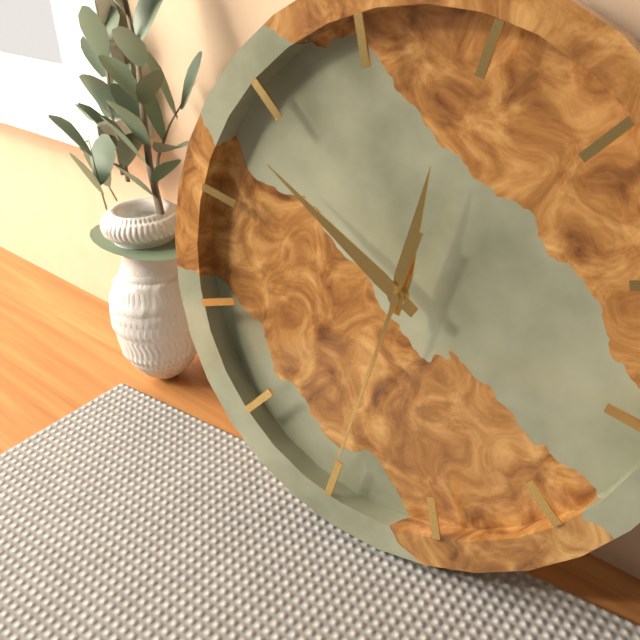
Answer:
11h48m30s
